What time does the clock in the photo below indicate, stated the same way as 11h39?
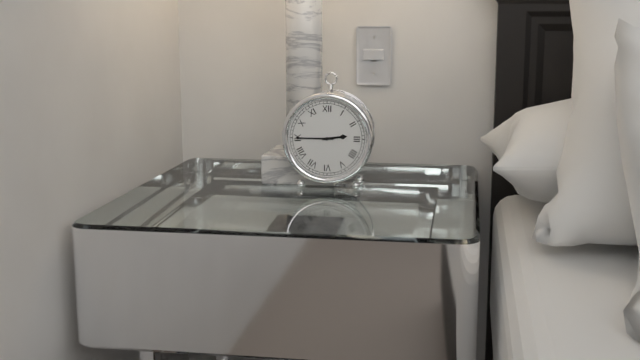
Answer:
2h45
